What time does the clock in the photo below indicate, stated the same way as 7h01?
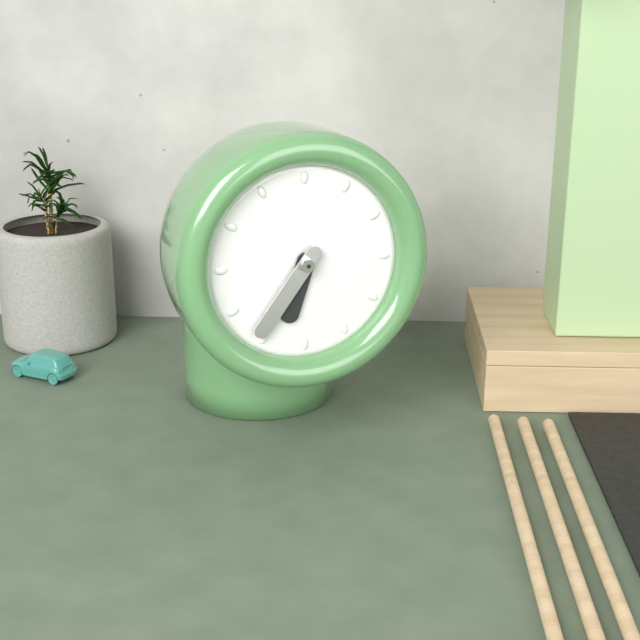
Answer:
6h36
